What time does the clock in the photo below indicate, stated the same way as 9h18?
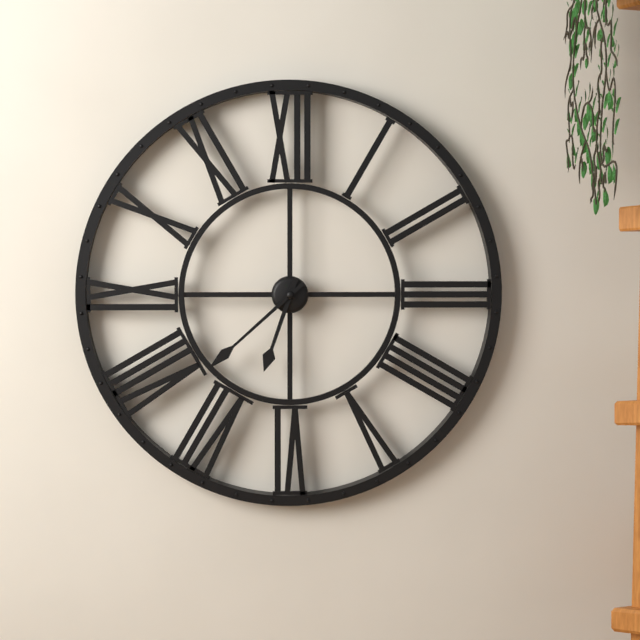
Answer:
6h38
